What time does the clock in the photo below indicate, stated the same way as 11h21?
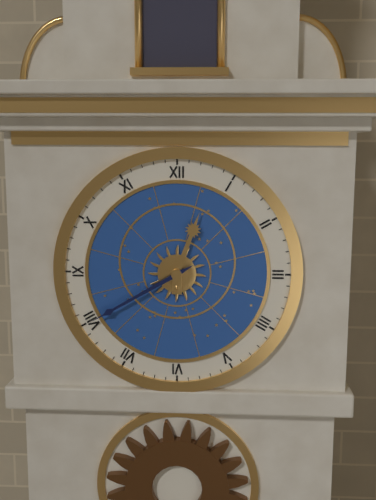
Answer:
12h40
